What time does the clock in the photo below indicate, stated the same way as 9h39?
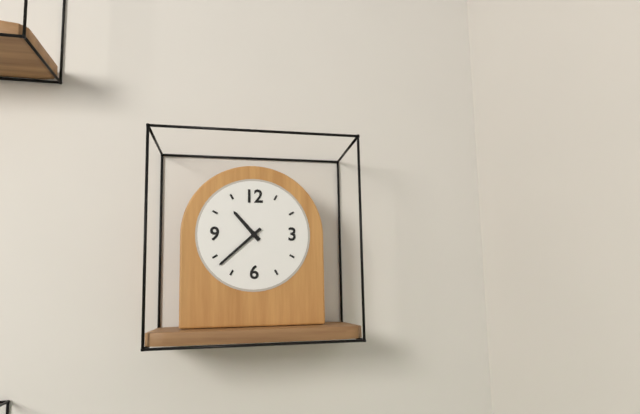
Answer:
10h38
